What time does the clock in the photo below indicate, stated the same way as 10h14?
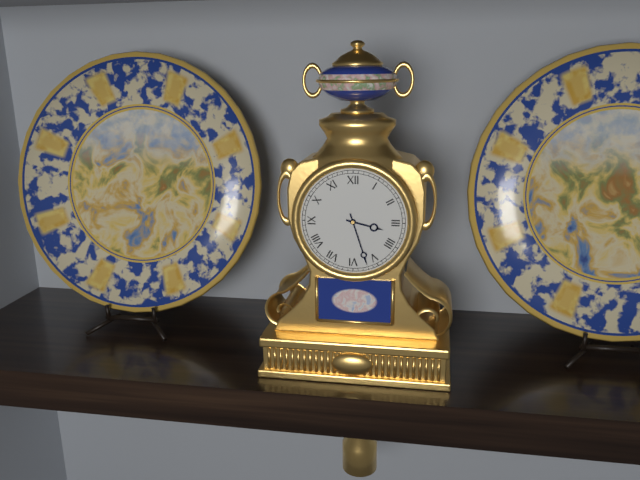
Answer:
3h27
